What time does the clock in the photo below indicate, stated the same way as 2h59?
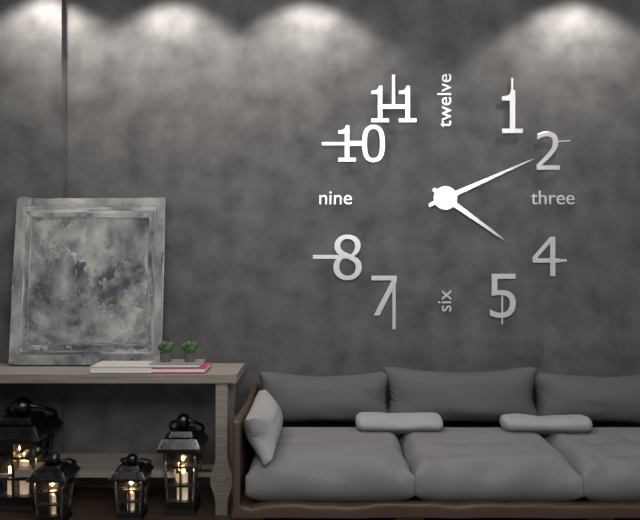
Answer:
4h11
